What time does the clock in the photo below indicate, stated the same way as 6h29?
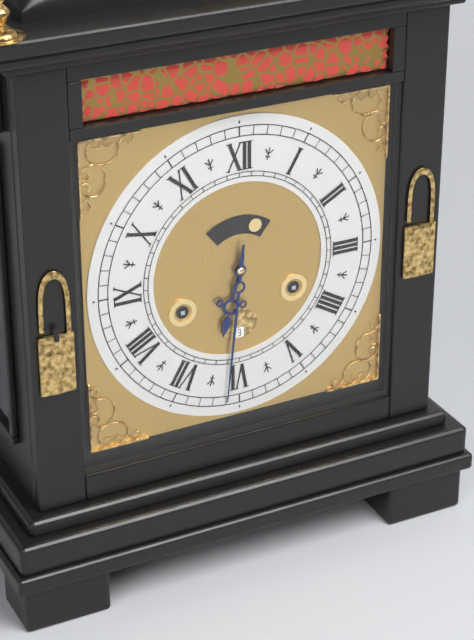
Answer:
6h31
